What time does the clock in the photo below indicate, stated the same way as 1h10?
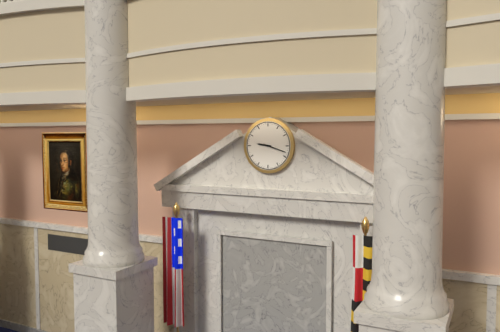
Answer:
9h18
